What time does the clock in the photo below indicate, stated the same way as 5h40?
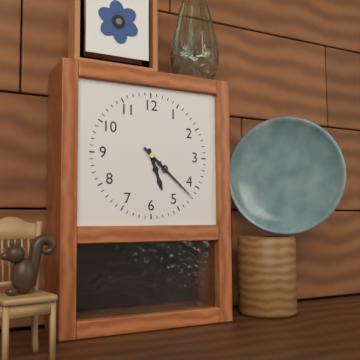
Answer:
5h22
